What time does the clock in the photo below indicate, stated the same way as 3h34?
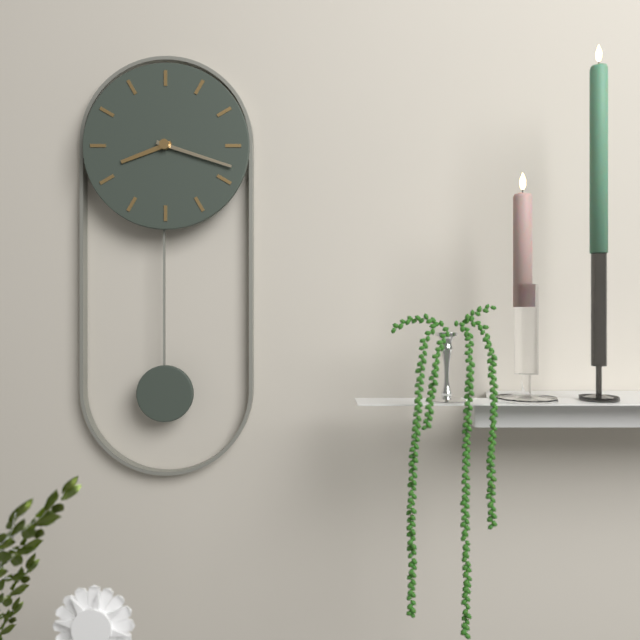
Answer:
8h18
